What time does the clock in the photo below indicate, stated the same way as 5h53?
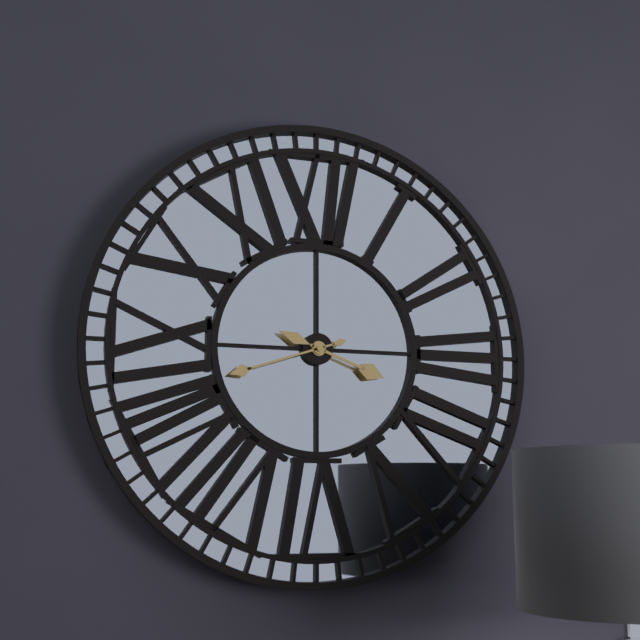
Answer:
3h42
